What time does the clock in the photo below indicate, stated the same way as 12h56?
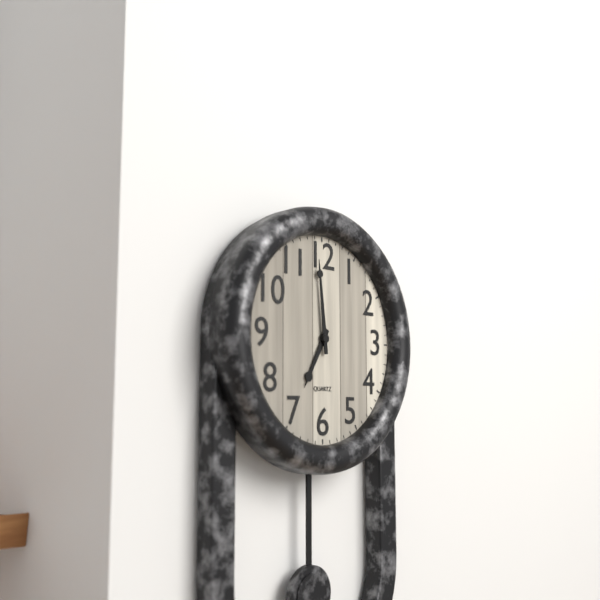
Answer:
6h59
